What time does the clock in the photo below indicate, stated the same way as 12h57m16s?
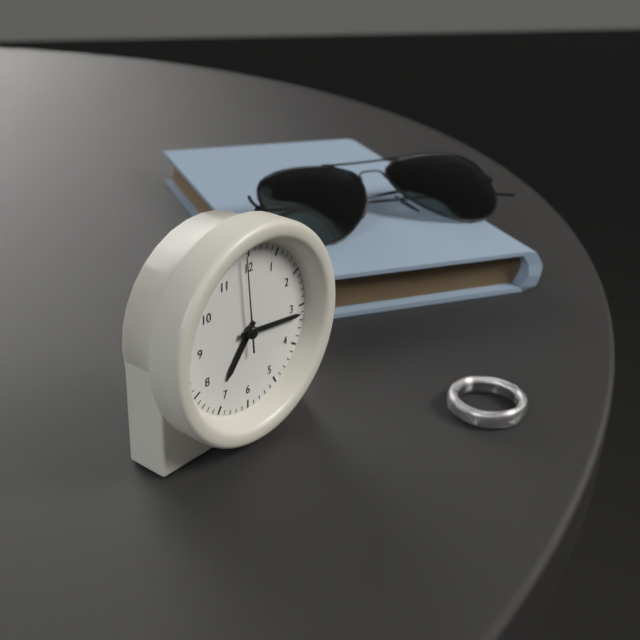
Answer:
7h16m59s
